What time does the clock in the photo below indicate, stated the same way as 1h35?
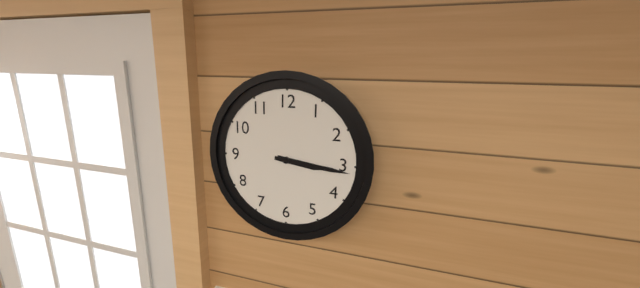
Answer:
3h16
